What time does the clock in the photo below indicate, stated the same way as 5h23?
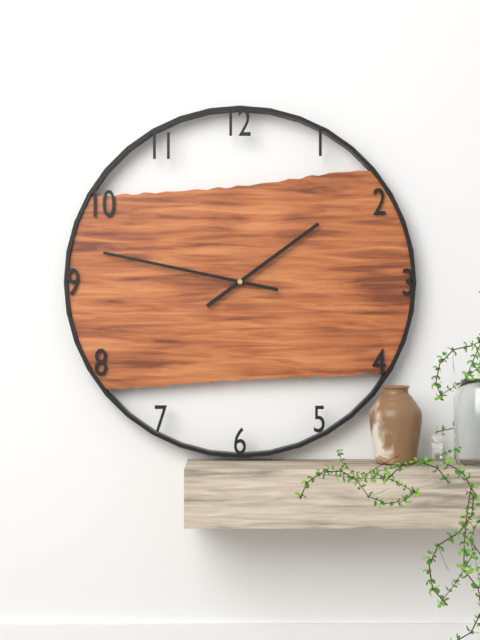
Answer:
1h47
